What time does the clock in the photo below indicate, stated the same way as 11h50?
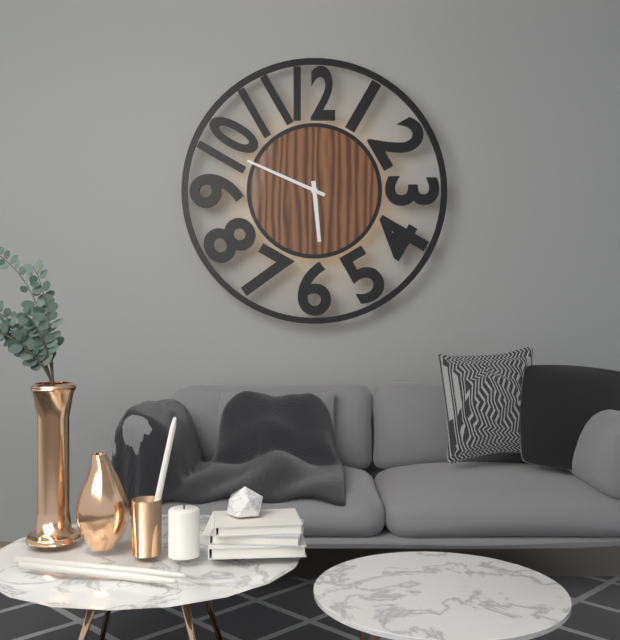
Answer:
5h49
